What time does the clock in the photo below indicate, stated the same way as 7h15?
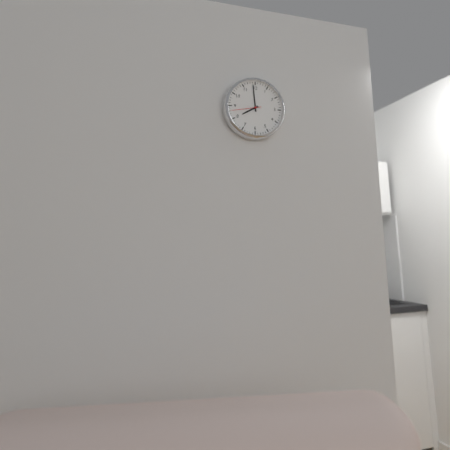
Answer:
7h59
